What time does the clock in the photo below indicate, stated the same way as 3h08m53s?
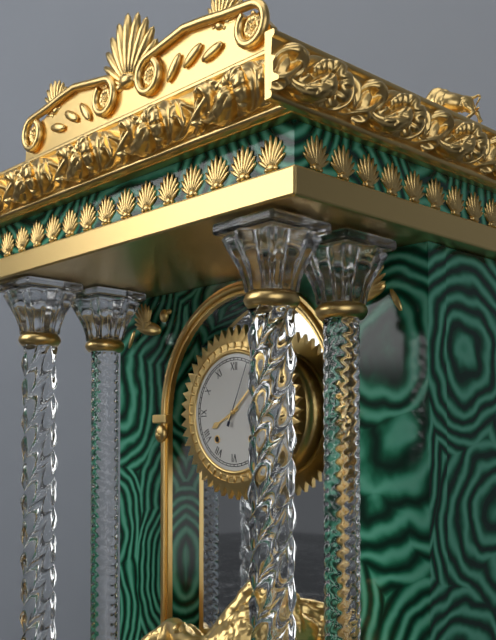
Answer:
8h08m04s
